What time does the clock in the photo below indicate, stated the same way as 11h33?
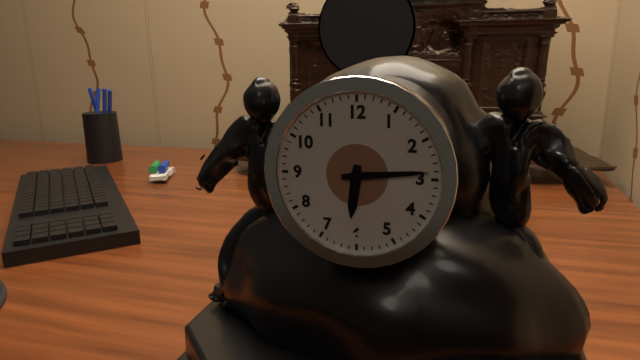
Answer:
6h14
